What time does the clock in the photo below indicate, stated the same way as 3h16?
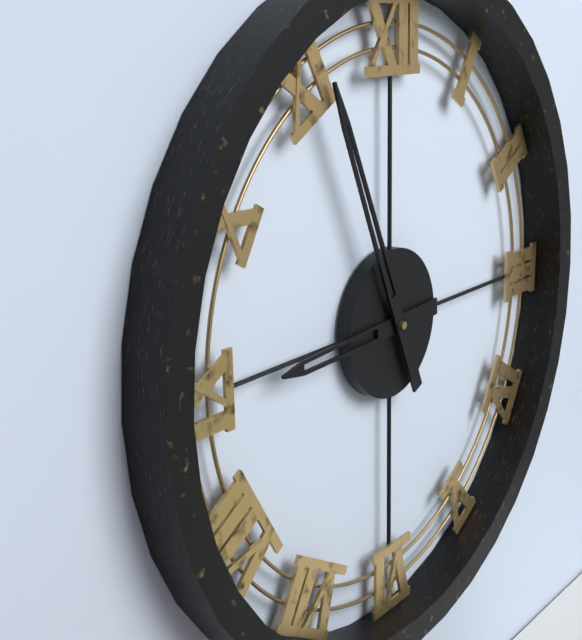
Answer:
8h56
